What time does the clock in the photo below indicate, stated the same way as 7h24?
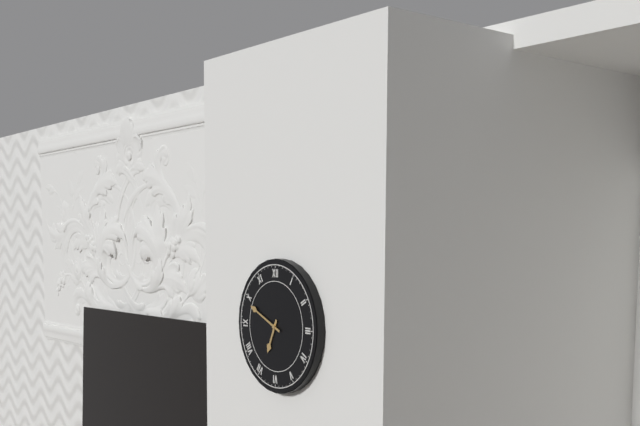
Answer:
6h49
